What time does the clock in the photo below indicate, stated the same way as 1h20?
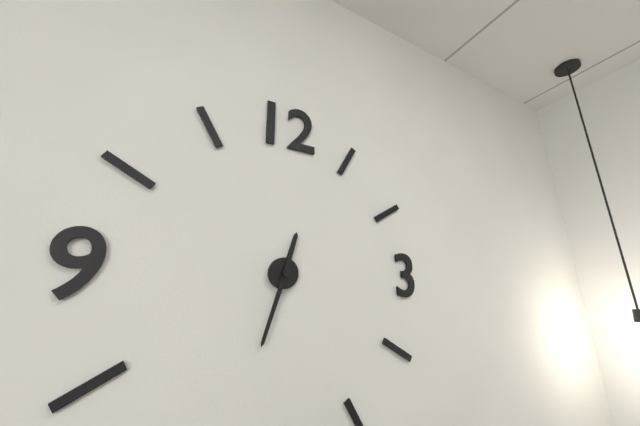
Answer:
12h33
